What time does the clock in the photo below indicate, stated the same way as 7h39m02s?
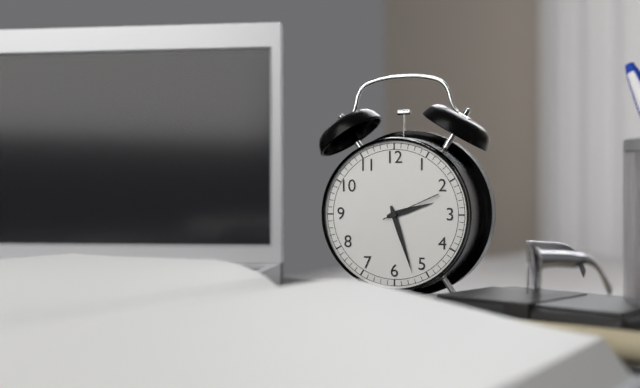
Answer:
2h27m11s
